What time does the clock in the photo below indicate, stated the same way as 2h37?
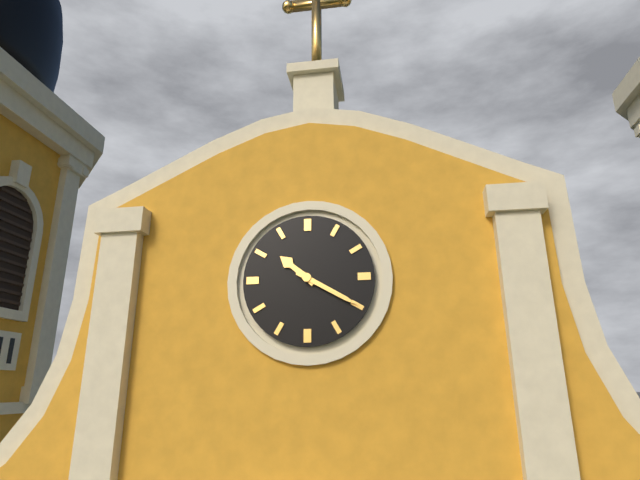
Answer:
10h20
